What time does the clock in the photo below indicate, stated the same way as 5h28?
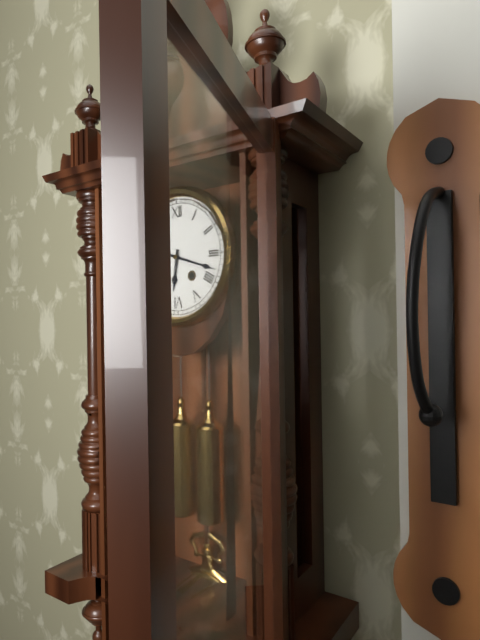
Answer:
6h18
